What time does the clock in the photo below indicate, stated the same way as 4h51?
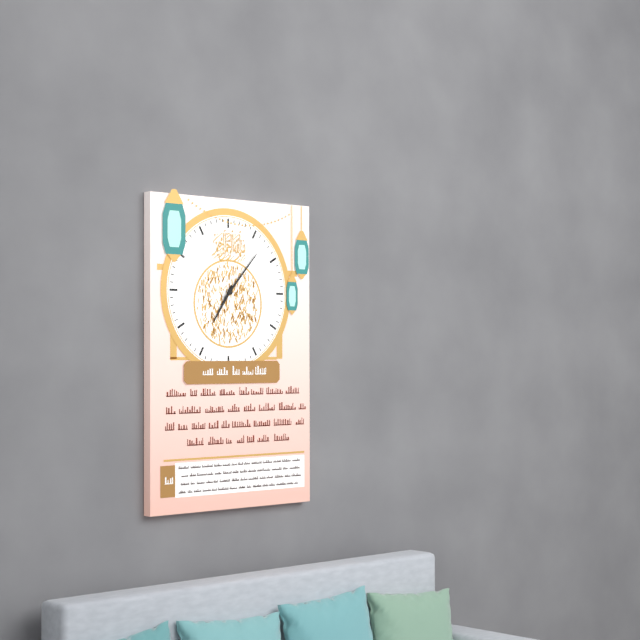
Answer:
7h07
